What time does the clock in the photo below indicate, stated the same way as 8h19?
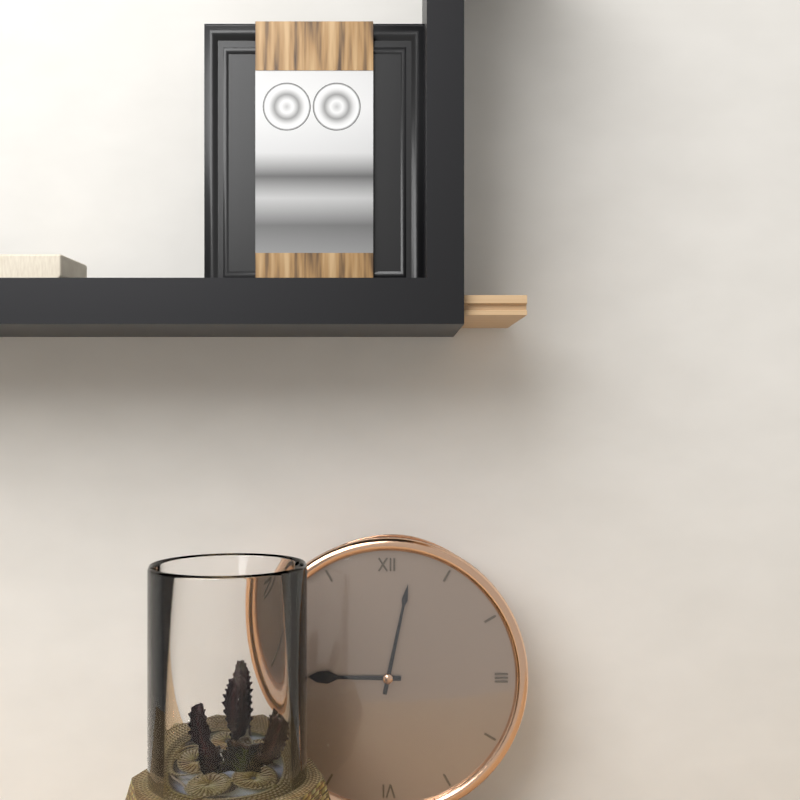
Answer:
9h02
